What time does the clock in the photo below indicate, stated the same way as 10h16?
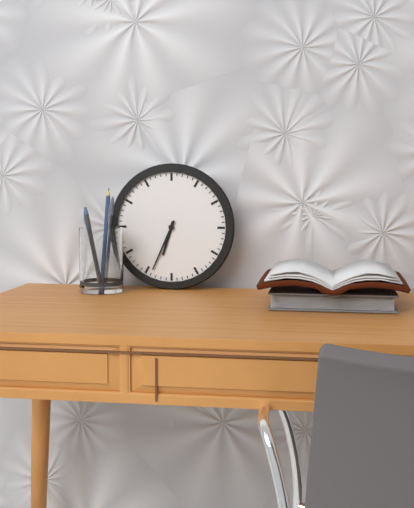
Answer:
6h34
